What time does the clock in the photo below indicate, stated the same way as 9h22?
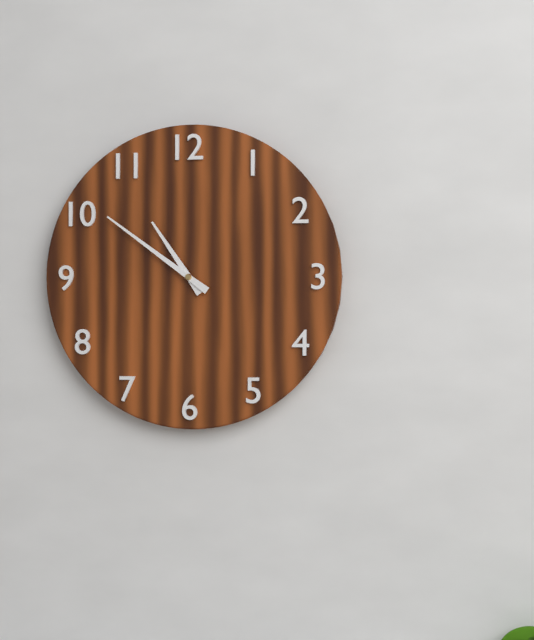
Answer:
10h51
